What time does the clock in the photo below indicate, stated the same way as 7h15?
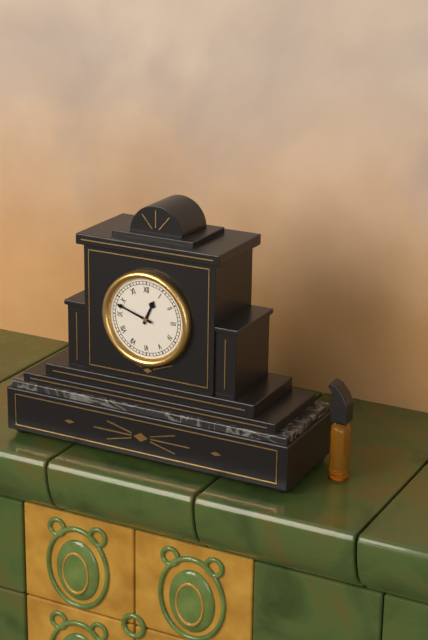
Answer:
12h48
